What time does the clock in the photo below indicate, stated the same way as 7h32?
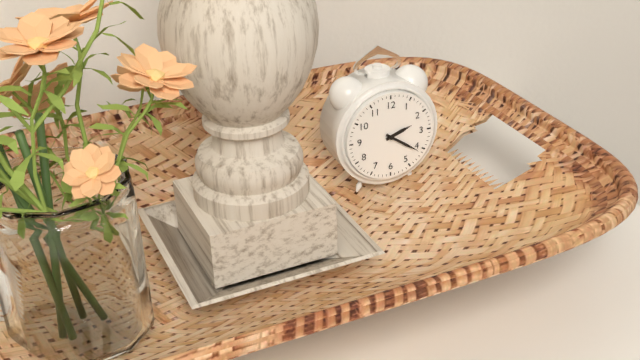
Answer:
2h21
